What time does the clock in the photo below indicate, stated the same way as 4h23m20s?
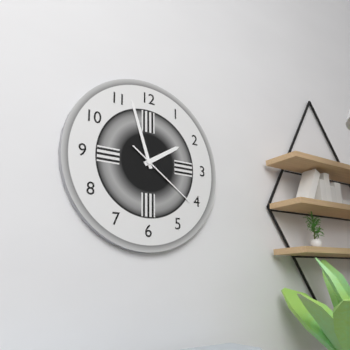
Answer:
1h57m21s
